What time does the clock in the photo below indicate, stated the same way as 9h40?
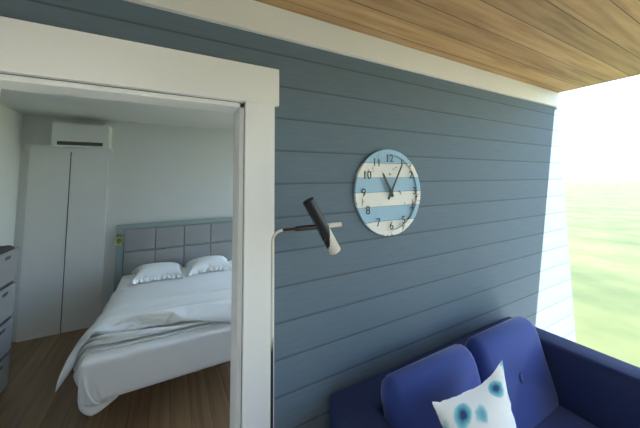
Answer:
11h05
